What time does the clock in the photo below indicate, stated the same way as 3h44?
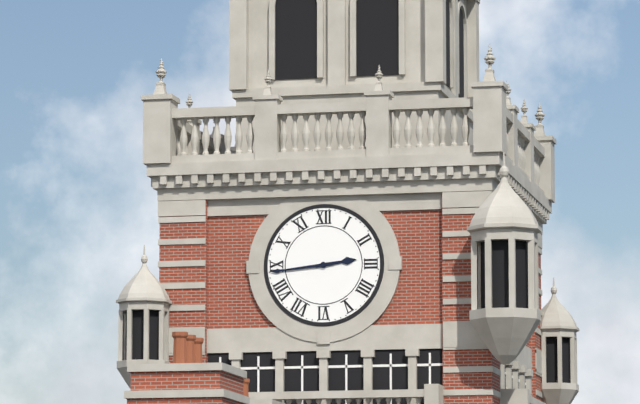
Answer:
2h44
